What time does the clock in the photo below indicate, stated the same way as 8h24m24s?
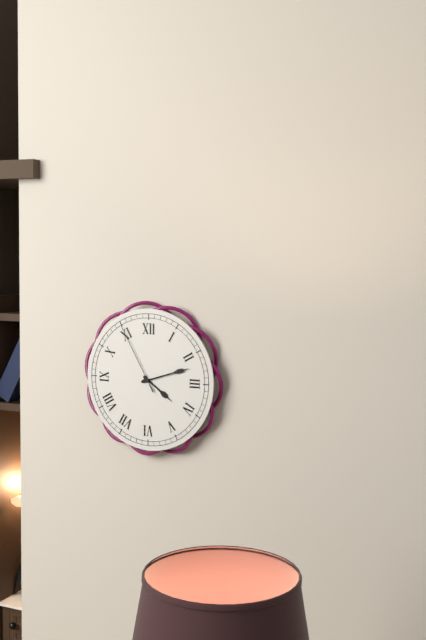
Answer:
4h12m55s
